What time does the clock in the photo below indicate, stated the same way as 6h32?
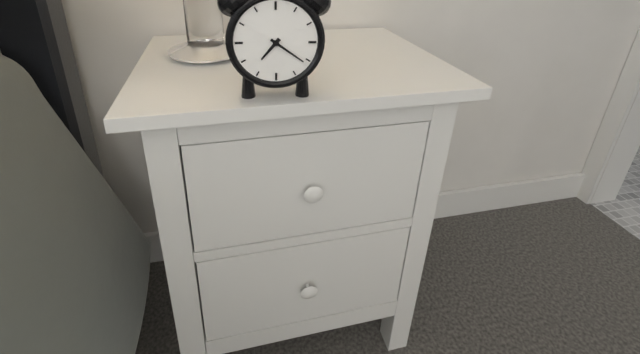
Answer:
7h21
